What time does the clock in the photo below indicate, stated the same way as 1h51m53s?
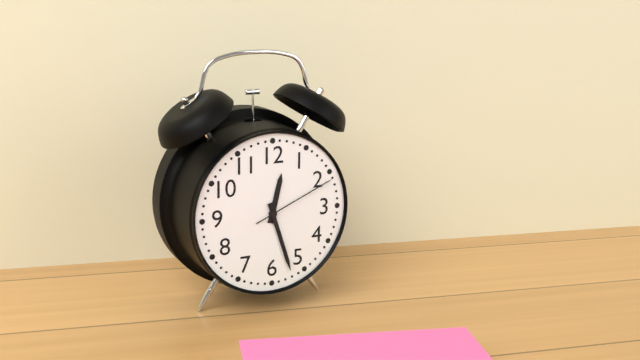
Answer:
12h27m11s
